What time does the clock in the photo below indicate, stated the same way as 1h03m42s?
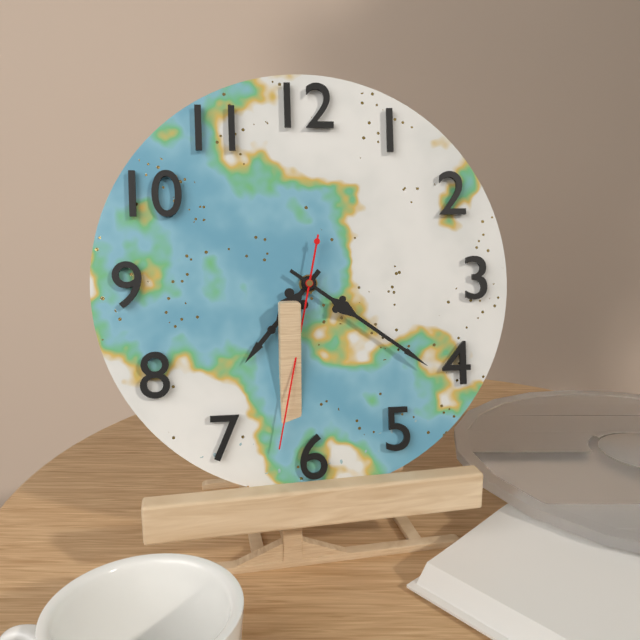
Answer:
7h21m32s
